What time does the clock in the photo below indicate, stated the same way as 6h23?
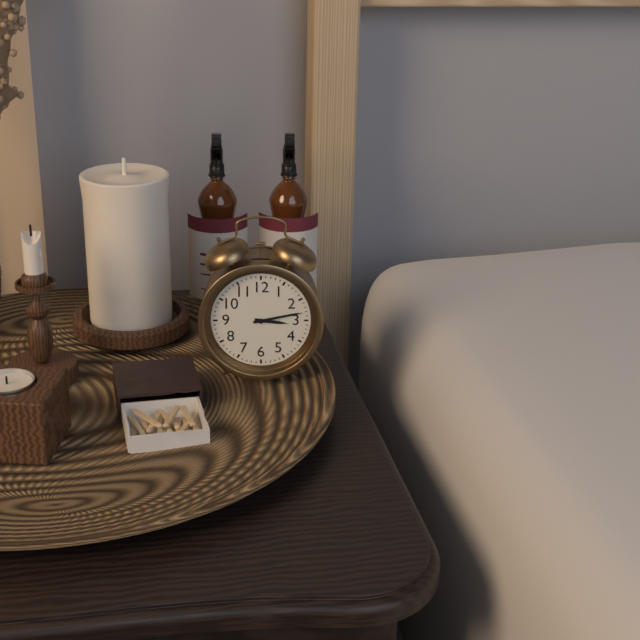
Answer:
3h13
